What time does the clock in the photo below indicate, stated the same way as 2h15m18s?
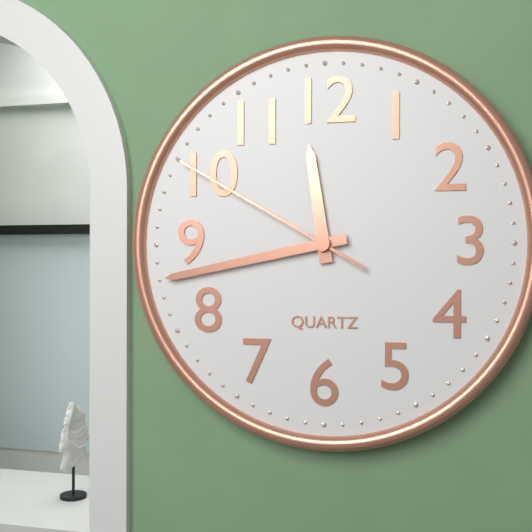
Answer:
11h43m50s
